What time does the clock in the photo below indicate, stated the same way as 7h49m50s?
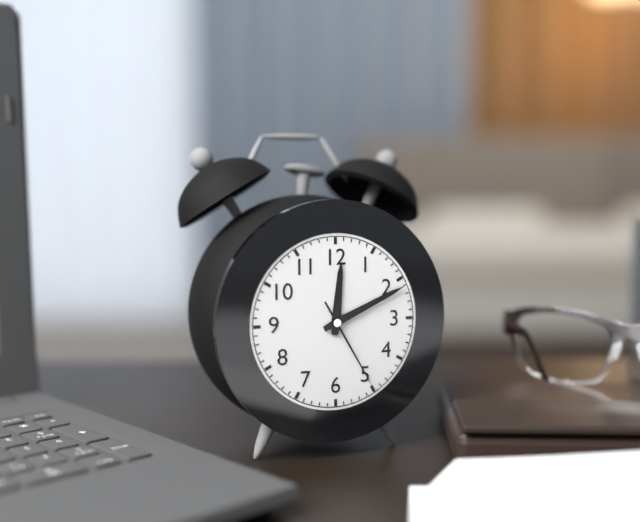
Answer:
12h11m25s
